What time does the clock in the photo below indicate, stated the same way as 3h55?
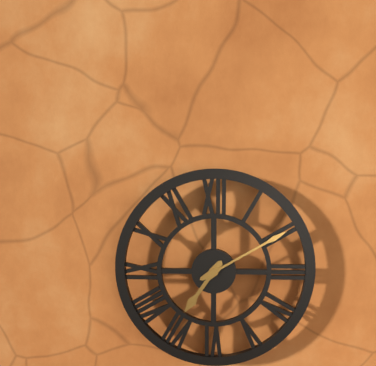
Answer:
7h10
